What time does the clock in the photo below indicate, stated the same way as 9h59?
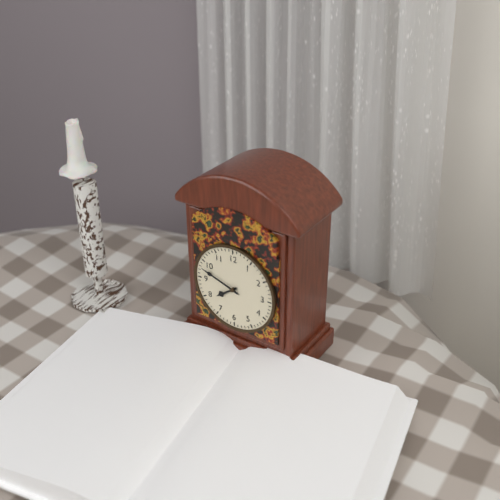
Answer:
7h48
